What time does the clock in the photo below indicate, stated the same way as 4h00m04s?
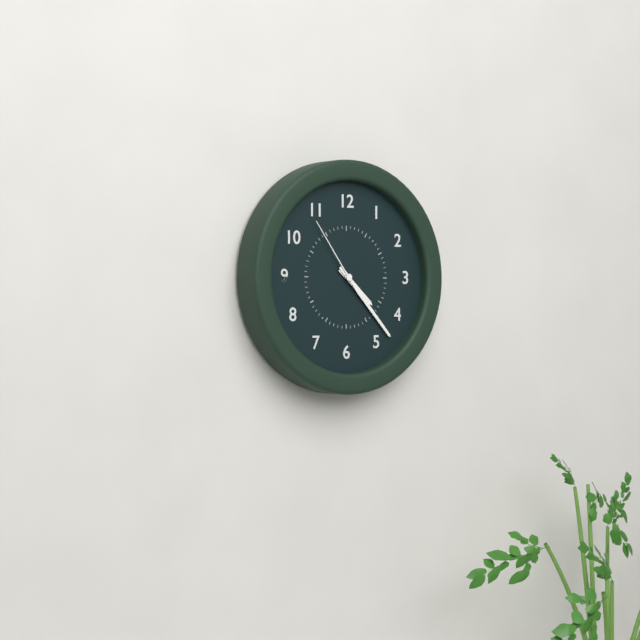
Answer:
4h23m54s
